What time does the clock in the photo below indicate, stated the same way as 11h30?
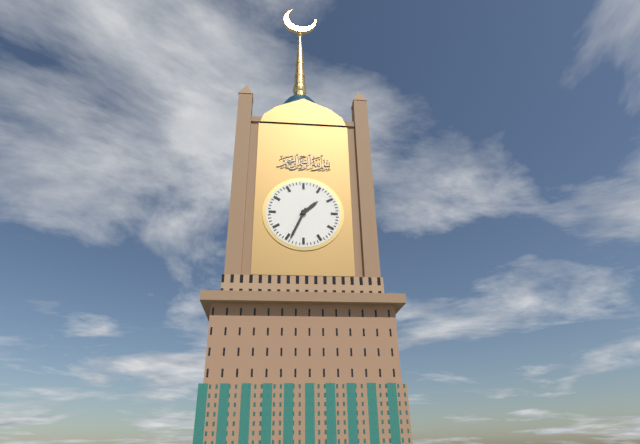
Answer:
1h34
